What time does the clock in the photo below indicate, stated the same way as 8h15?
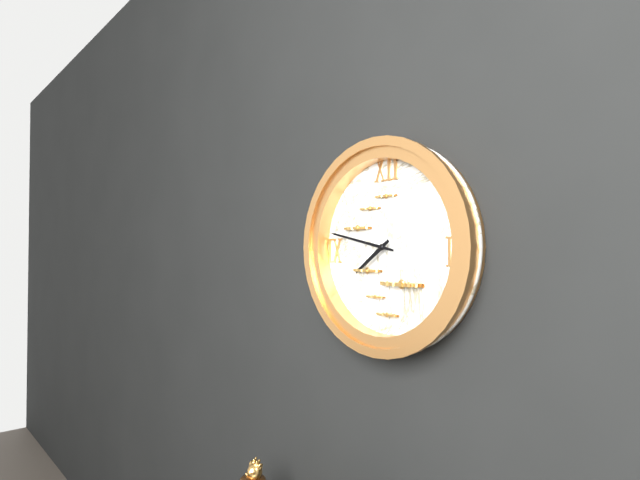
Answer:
7h47
